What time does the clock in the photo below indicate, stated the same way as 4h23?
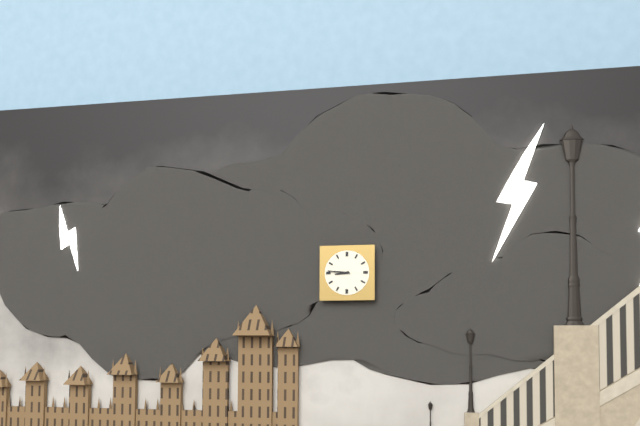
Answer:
8h46
